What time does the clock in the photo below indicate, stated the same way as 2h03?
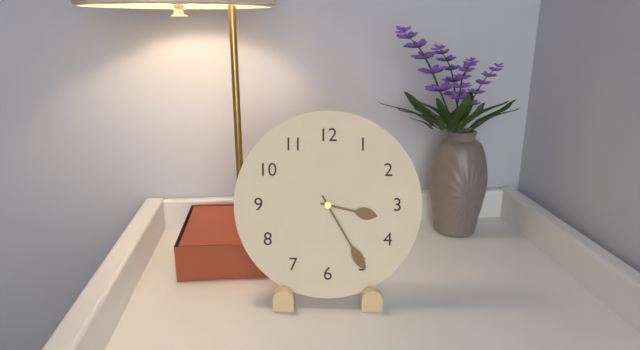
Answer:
3h25
